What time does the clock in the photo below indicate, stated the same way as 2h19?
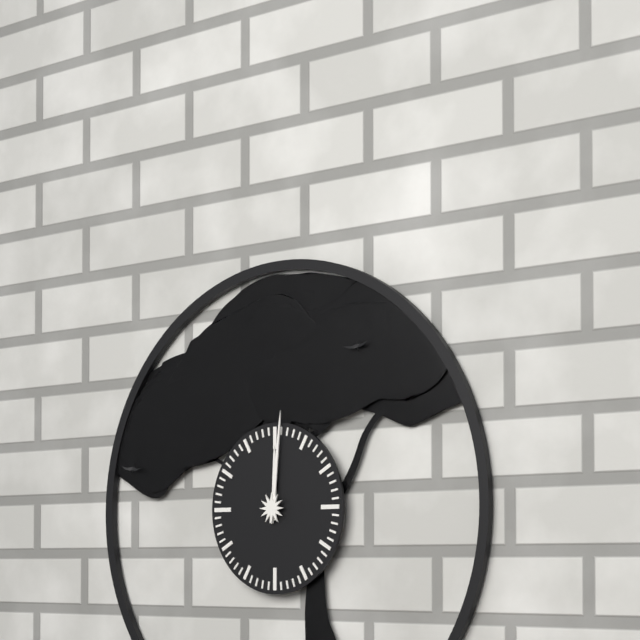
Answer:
12h01
